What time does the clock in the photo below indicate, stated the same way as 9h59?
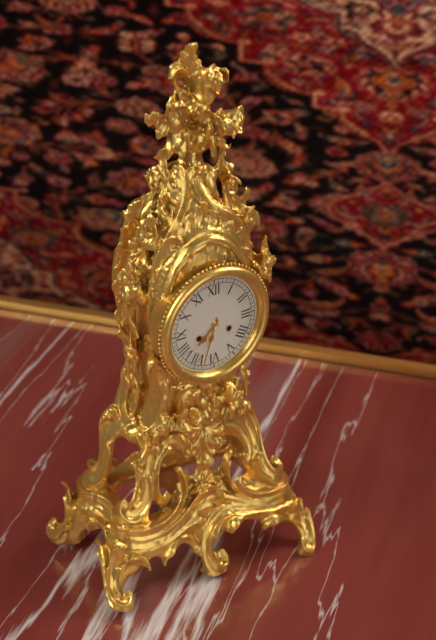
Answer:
7h33
